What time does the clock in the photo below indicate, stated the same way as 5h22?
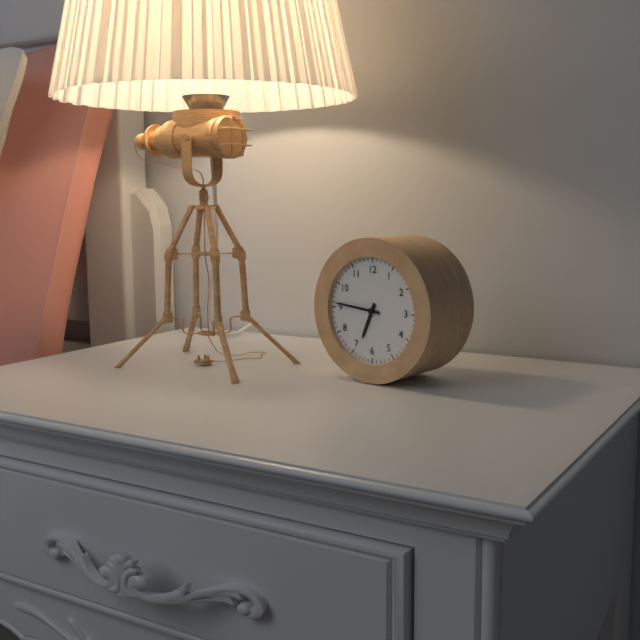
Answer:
6h46
